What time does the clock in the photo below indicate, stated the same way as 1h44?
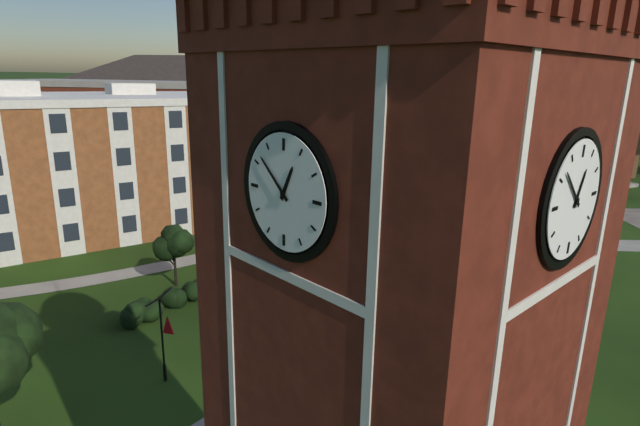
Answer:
12h52
